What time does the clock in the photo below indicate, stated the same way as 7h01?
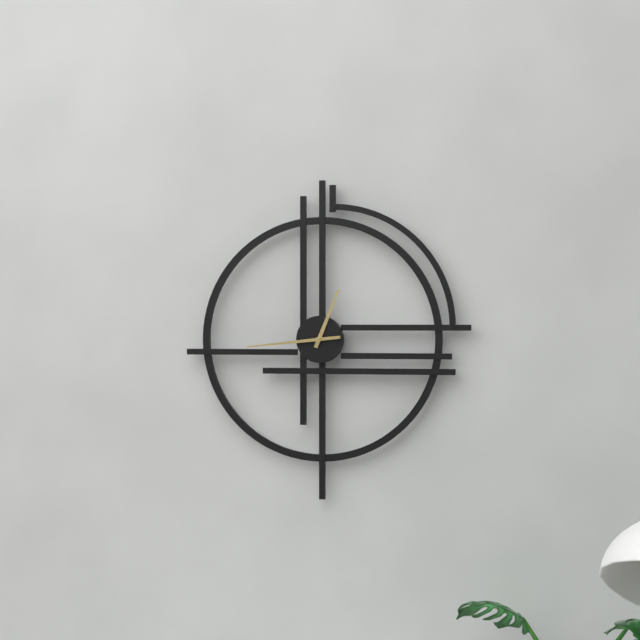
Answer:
12h44
